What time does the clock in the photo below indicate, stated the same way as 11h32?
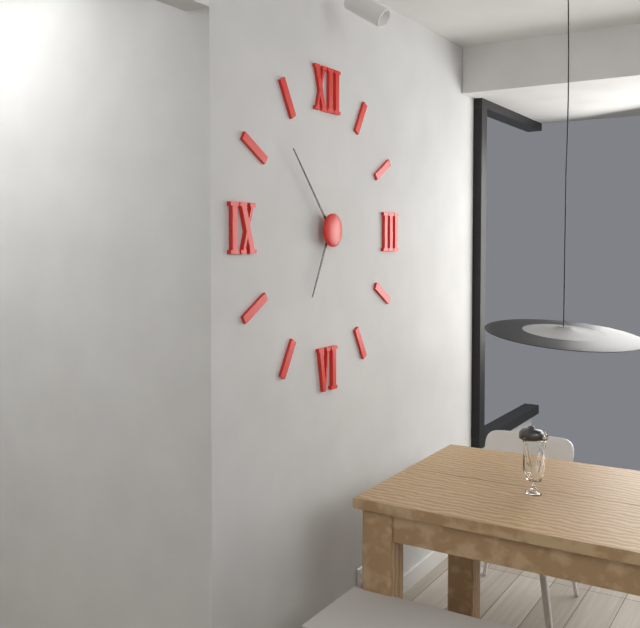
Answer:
6h53
